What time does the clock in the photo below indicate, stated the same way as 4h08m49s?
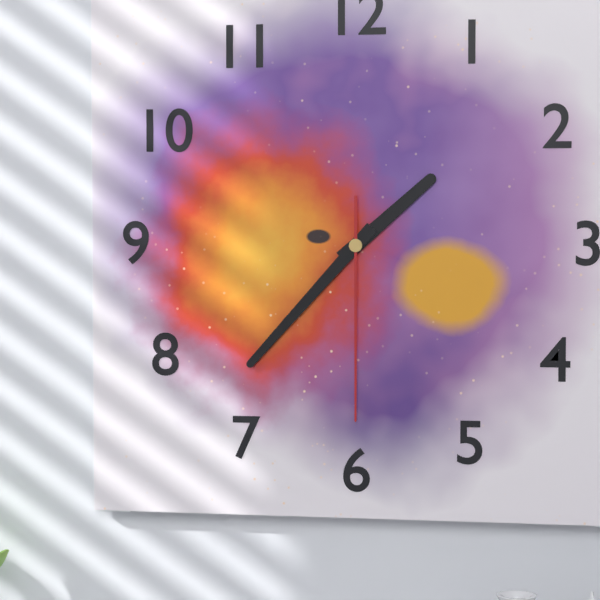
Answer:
1h37m30s
